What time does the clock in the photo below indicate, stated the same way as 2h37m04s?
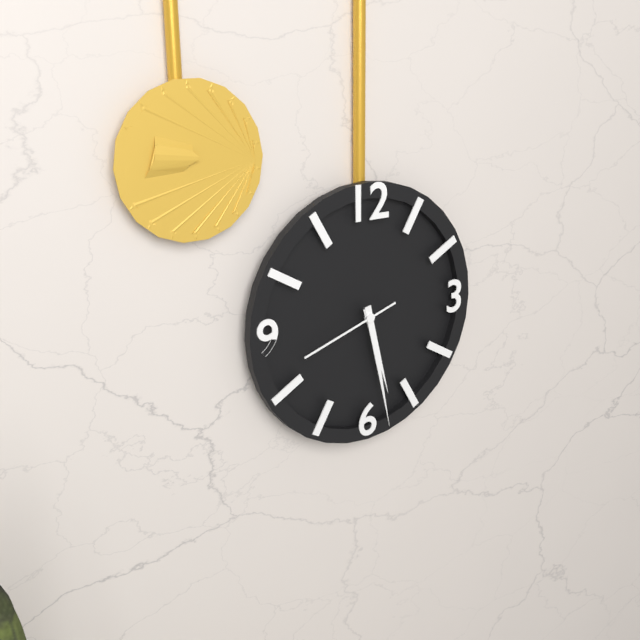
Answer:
5h28m42s
